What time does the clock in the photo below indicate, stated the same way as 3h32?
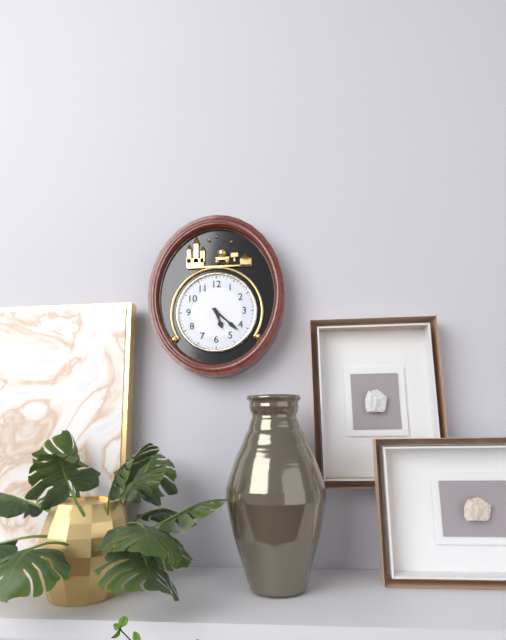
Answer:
5h22
